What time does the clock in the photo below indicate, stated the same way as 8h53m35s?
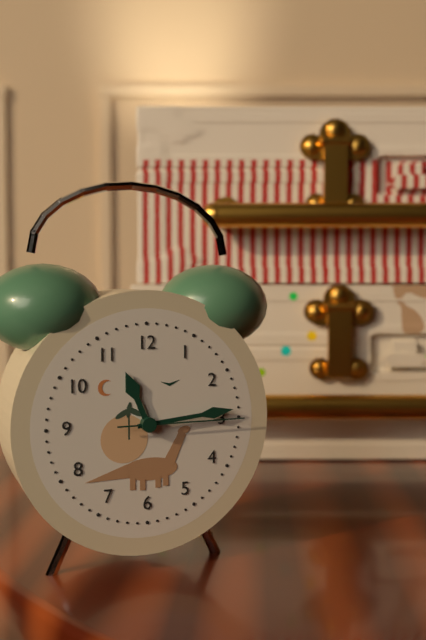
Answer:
11h14m15s
